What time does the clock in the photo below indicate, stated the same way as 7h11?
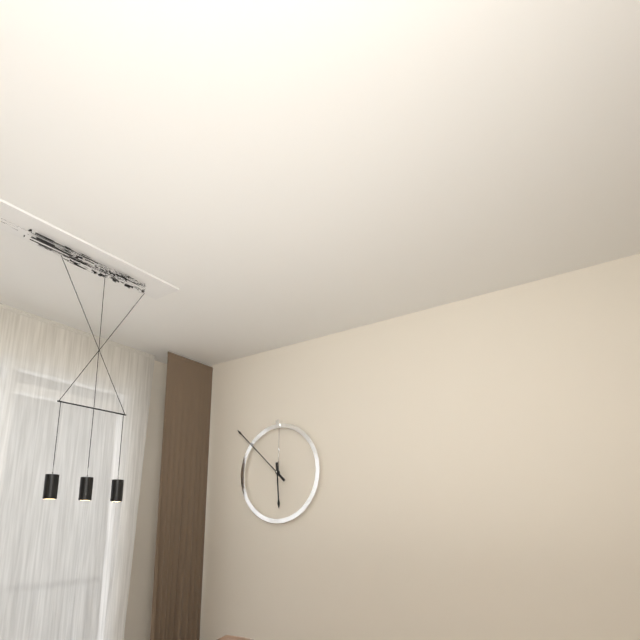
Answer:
5h52
